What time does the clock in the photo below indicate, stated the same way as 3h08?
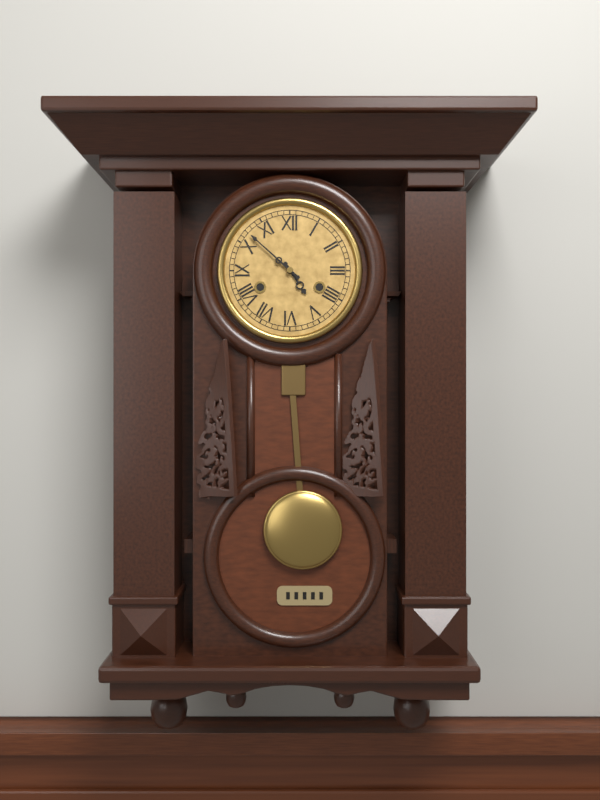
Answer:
4h52
